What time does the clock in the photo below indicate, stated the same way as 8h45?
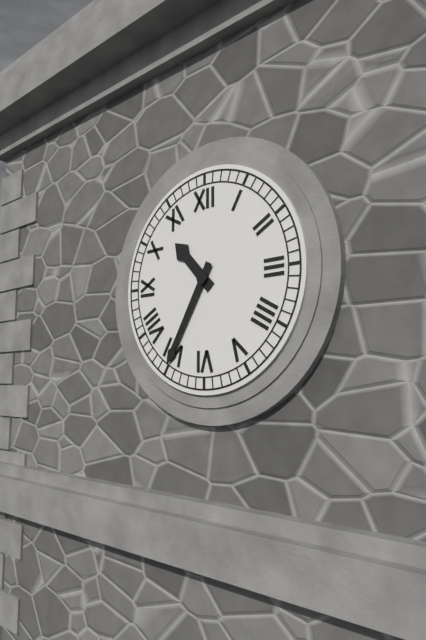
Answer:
10h35
